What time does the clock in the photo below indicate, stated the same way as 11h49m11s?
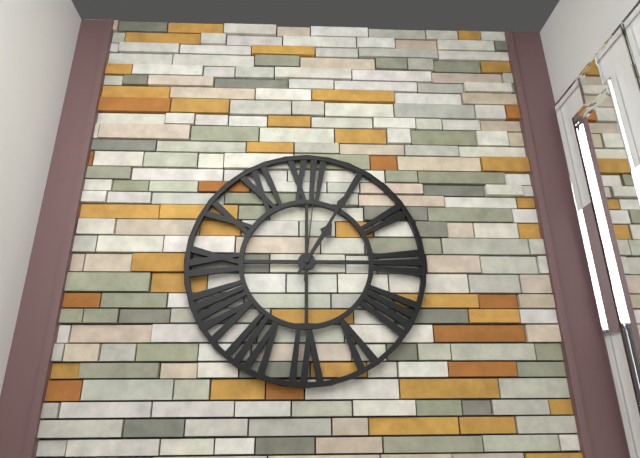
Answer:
1h05m01s
